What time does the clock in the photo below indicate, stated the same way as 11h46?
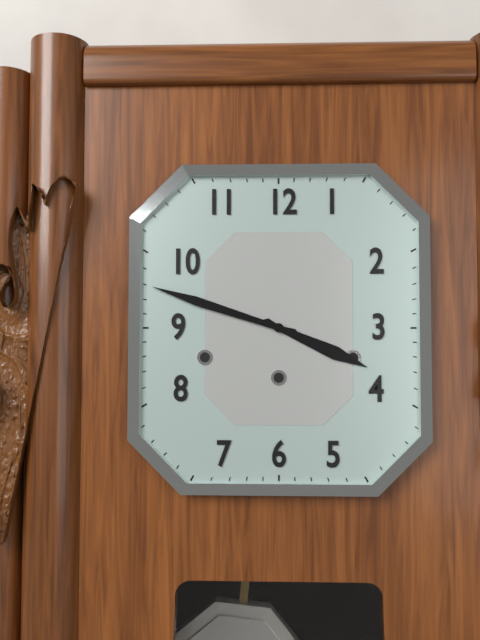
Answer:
3h48
